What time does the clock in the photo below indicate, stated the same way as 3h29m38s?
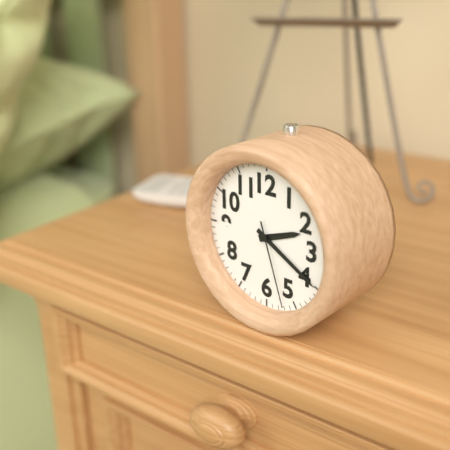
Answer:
2h20m27s
